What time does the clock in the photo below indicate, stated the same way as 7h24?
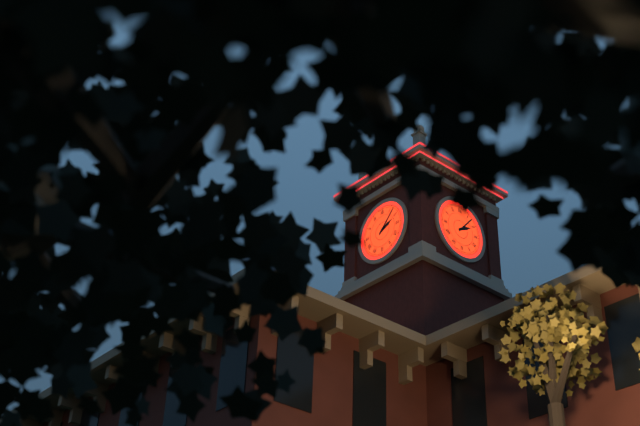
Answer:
2h07
